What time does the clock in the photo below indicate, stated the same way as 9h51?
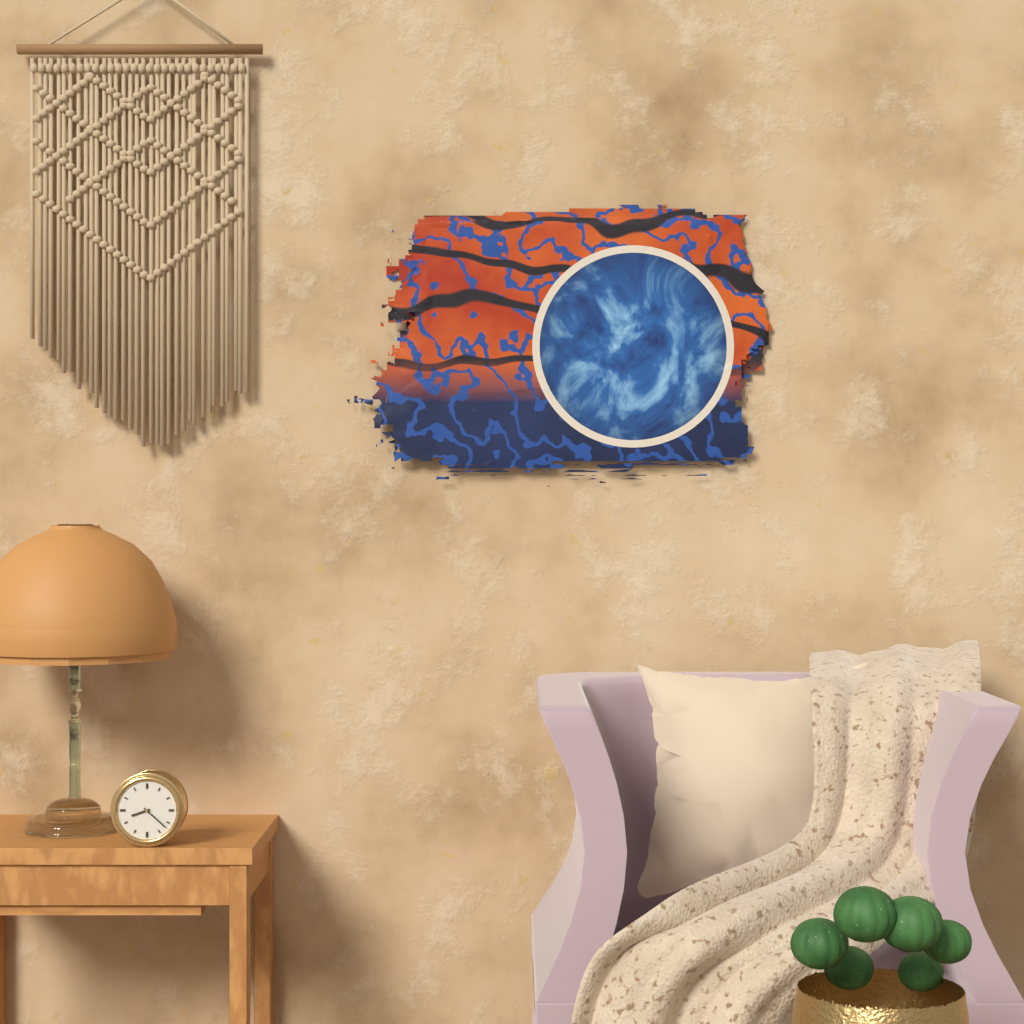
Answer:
8h22
